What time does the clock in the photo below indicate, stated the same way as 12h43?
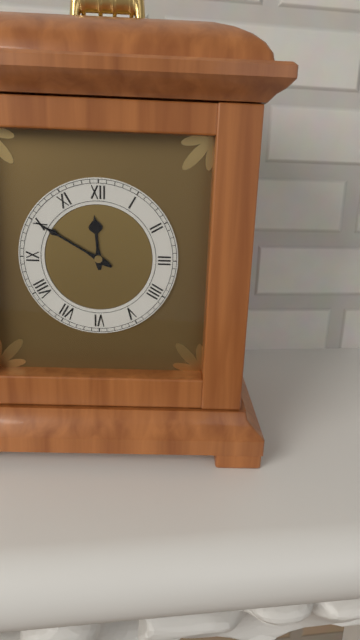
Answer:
11h50
